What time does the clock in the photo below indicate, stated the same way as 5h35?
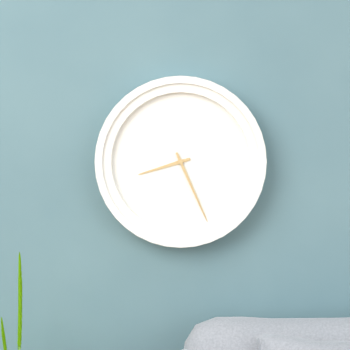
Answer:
8h26
